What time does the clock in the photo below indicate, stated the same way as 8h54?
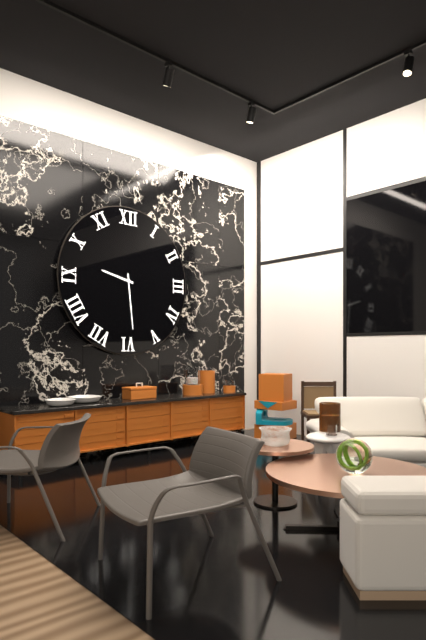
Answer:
9h29
